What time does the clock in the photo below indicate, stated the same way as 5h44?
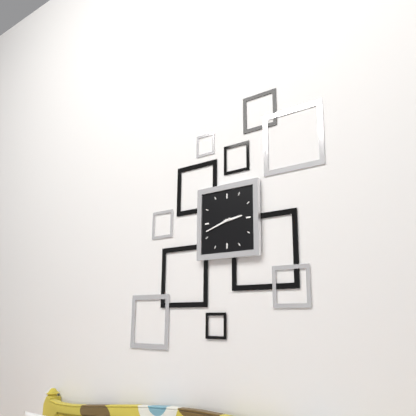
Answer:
2h42
